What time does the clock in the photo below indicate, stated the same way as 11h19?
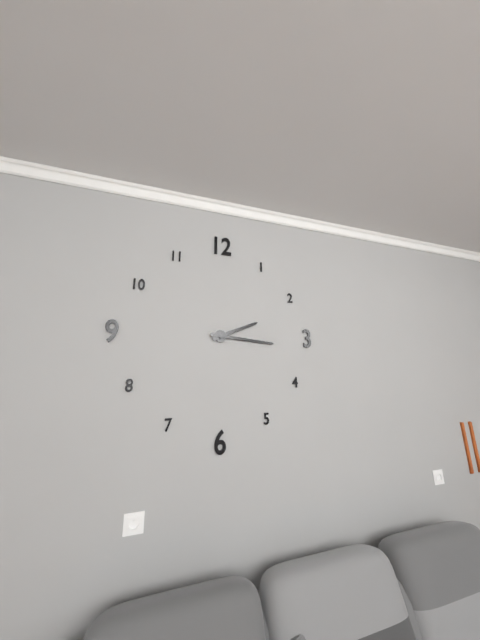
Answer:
2h16
